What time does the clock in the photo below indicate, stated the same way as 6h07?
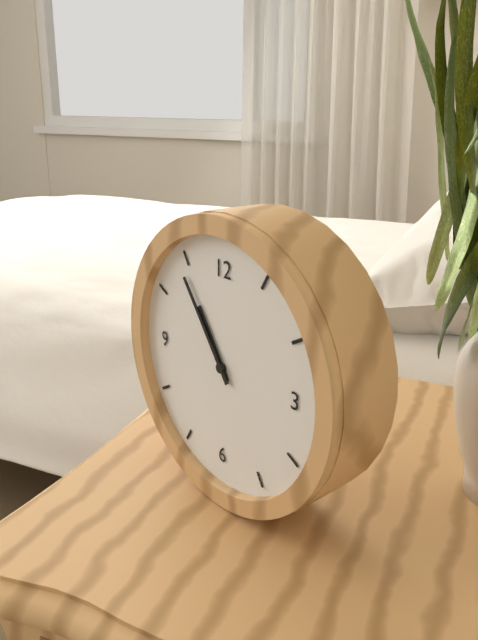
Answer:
10h54
